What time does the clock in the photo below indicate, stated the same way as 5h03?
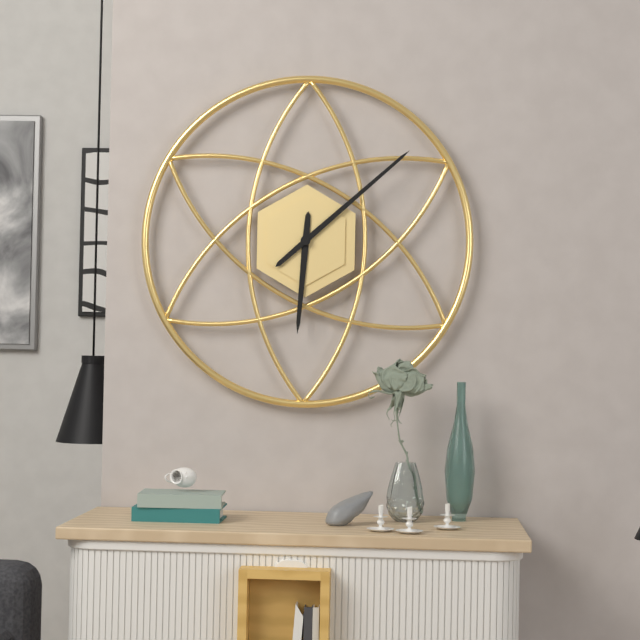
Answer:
6h08
